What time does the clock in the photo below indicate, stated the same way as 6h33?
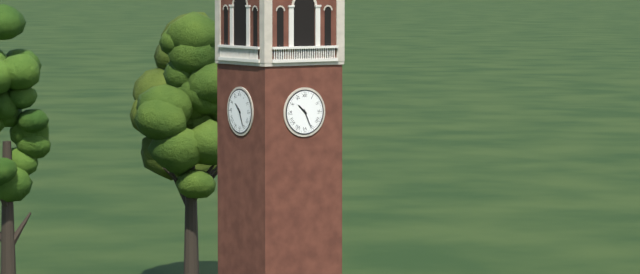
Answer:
10h26
